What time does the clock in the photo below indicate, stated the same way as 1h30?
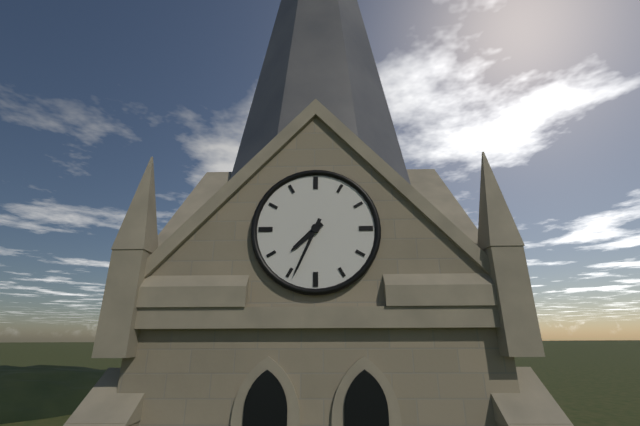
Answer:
7h34
